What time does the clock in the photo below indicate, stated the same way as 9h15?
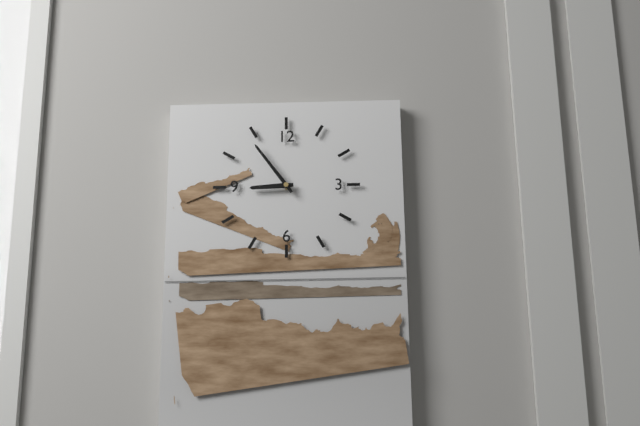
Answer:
8h54
